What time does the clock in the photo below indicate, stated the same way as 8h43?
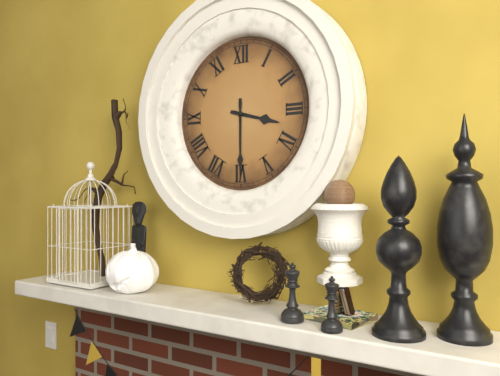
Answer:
3h30
